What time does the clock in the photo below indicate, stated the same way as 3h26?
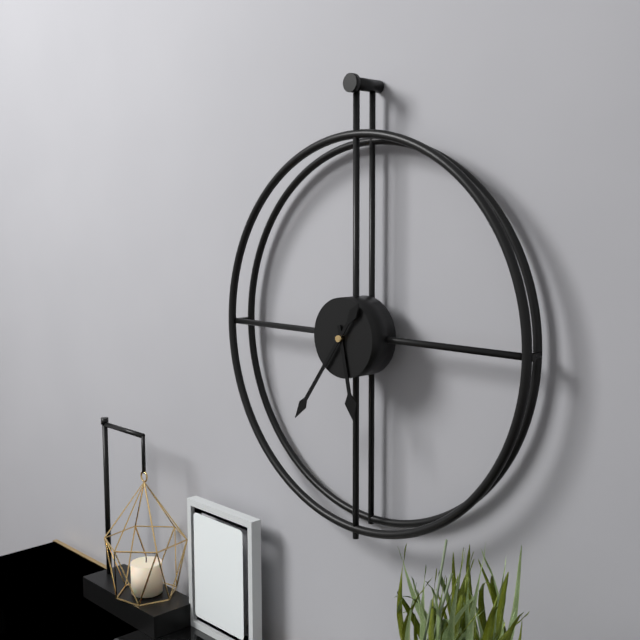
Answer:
5h36
